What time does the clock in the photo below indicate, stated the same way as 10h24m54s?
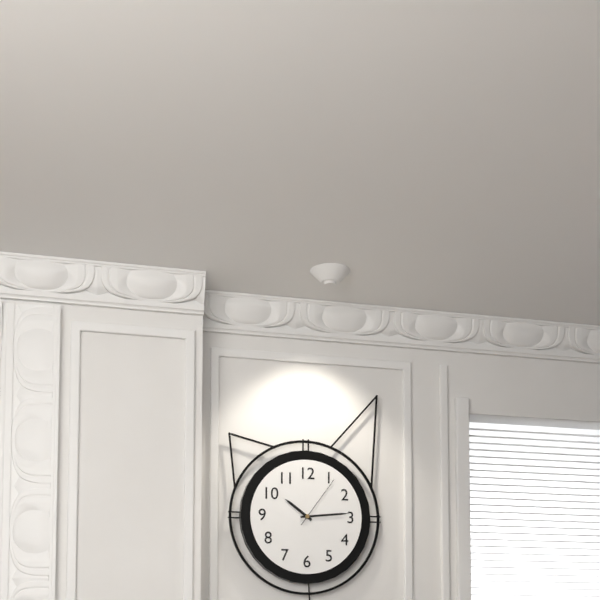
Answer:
10h14m06s
